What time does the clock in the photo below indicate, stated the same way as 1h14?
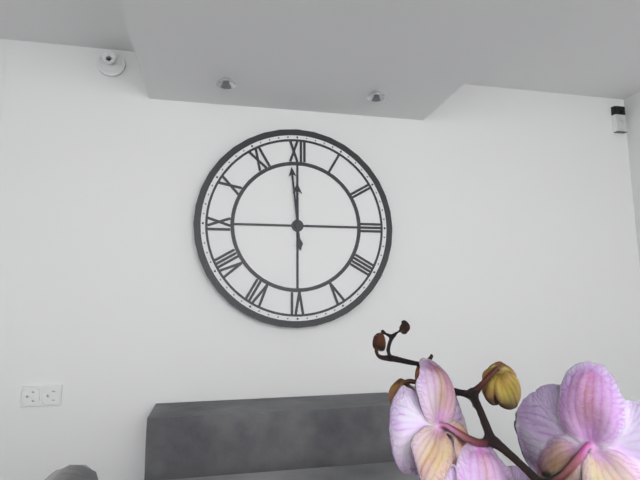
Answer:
11h59
